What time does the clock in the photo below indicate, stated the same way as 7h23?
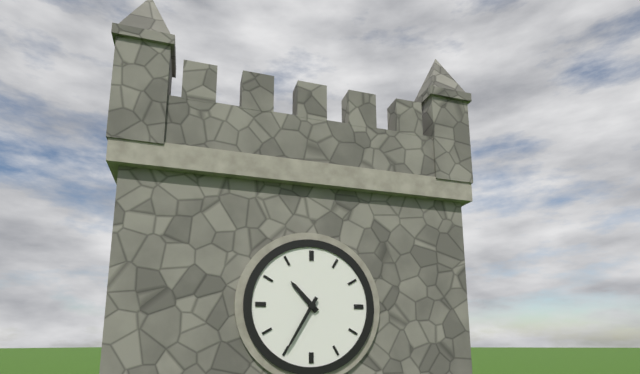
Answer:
10h35
